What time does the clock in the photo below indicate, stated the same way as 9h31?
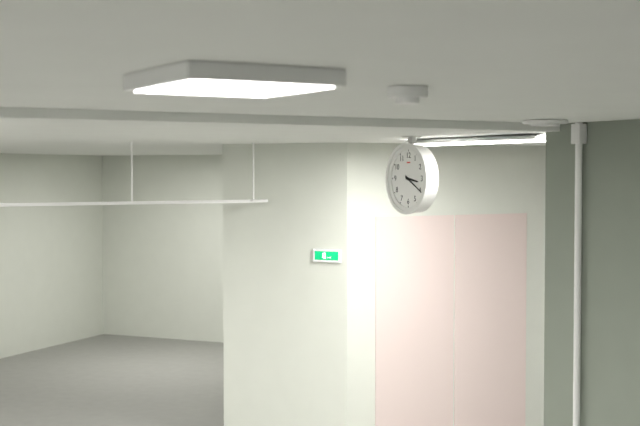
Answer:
3h20
